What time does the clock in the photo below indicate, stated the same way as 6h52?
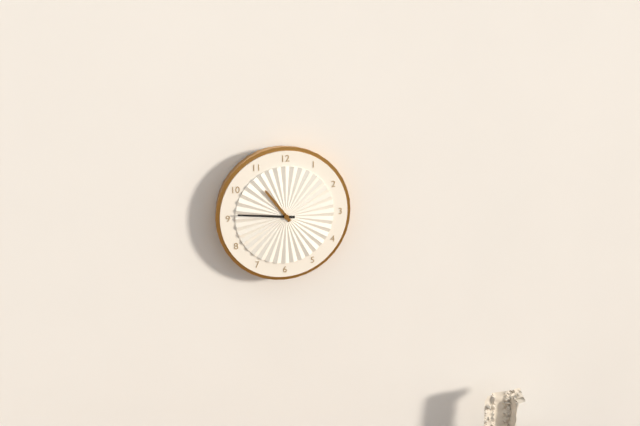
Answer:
10h46
